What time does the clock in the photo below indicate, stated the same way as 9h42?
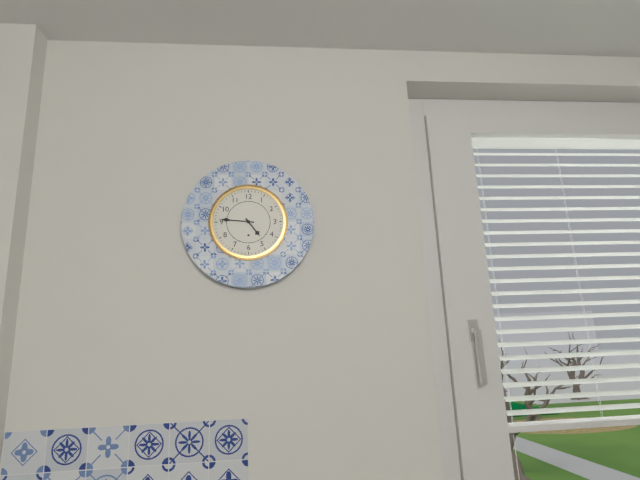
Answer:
4h46
